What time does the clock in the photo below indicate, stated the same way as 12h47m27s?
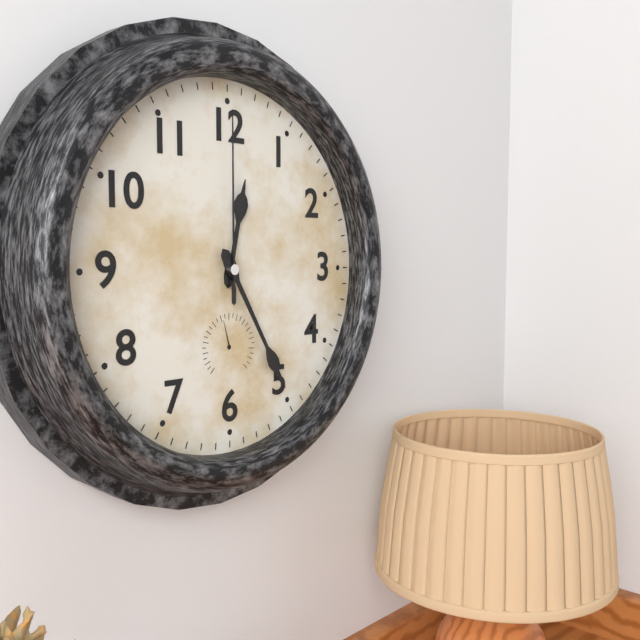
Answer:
12h25m00s
